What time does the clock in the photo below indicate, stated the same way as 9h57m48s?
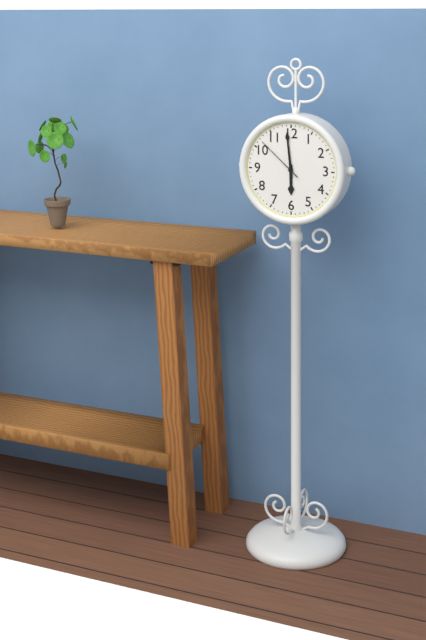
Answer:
5h59m52s
